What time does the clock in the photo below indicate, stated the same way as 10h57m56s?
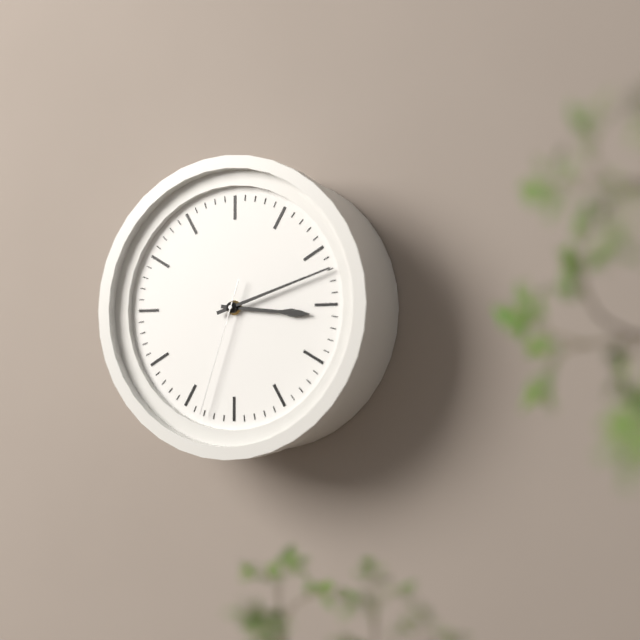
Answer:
3h12m33s
